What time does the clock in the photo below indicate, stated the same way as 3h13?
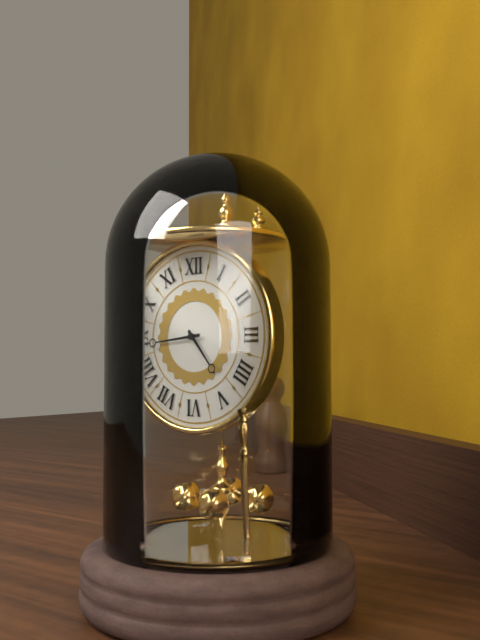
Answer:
4h44
